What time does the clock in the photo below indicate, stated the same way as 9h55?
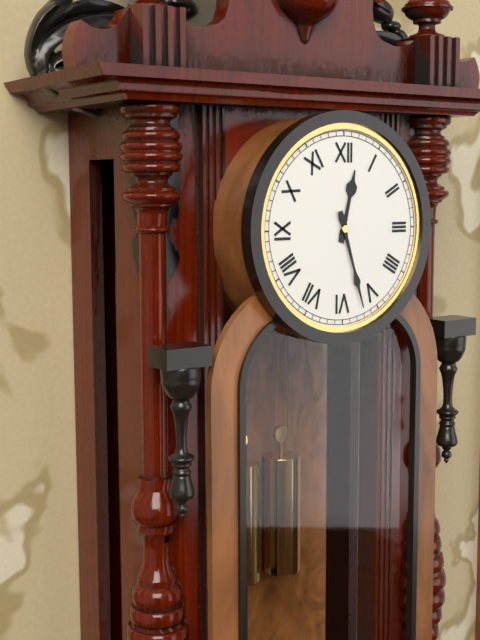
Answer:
12h27
